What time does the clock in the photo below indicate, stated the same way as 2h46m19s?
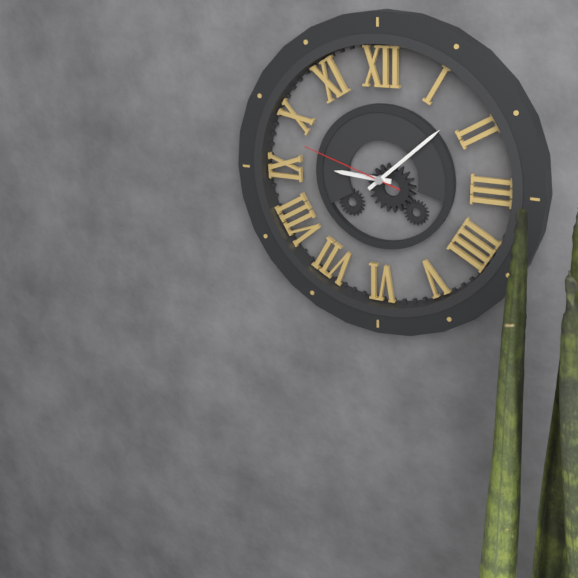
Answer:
9h08m48s
